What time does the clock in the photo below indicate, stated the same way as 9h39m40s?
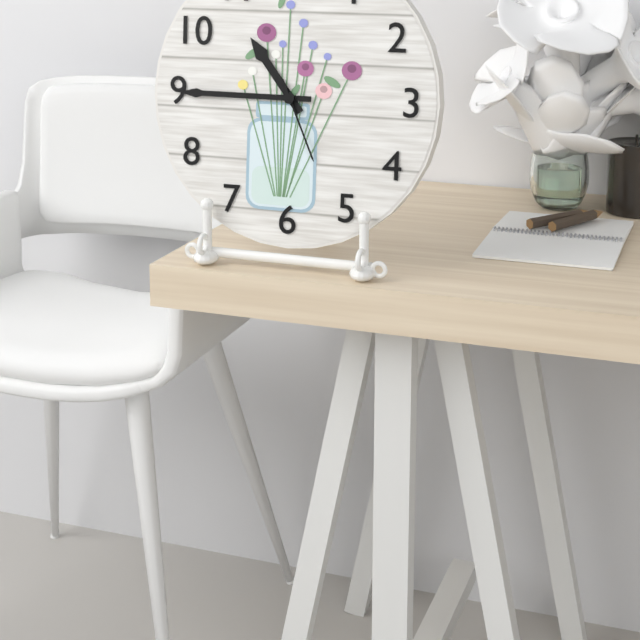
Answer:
10h45m26s
